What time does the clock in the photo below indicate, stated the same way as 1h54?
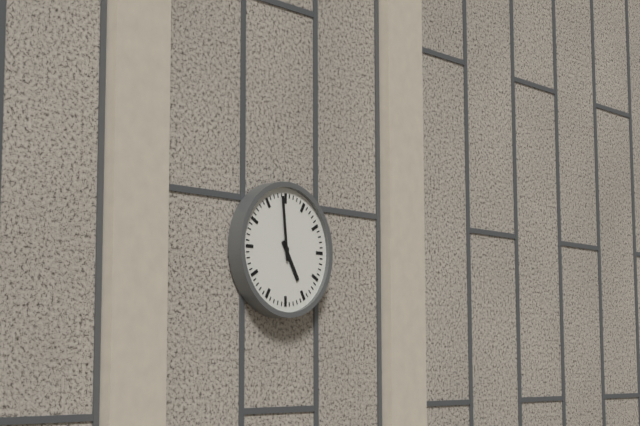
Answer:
4h59
